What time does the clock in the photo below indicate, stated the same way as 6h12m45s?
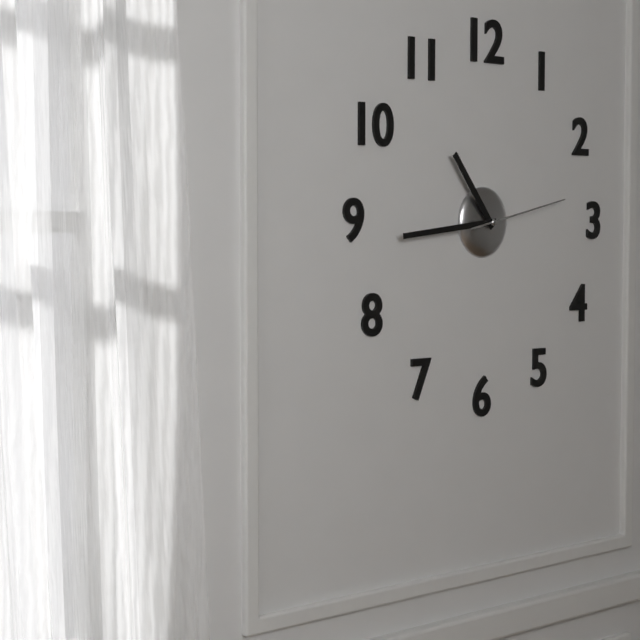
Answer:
10h44m13s
